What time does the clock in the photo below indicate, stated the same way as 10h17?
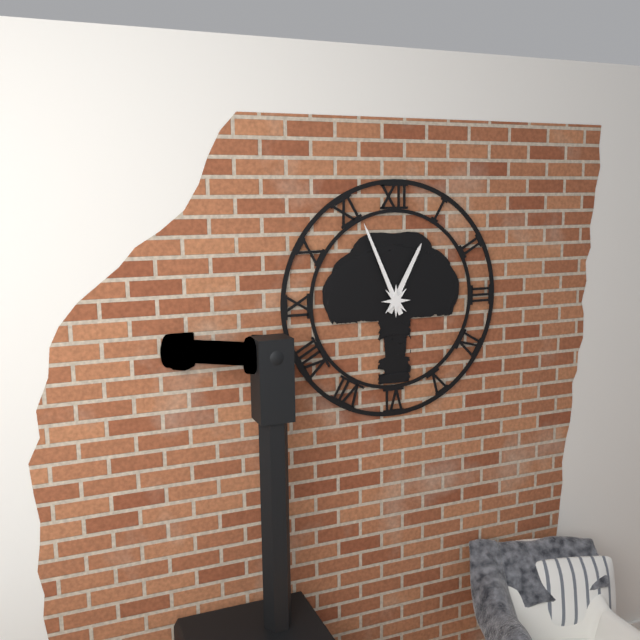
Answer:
12h56
